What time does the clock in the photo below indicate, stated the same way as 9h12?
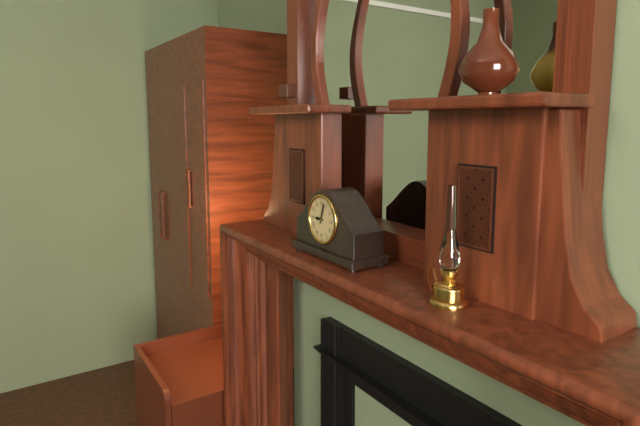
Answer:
9h03
